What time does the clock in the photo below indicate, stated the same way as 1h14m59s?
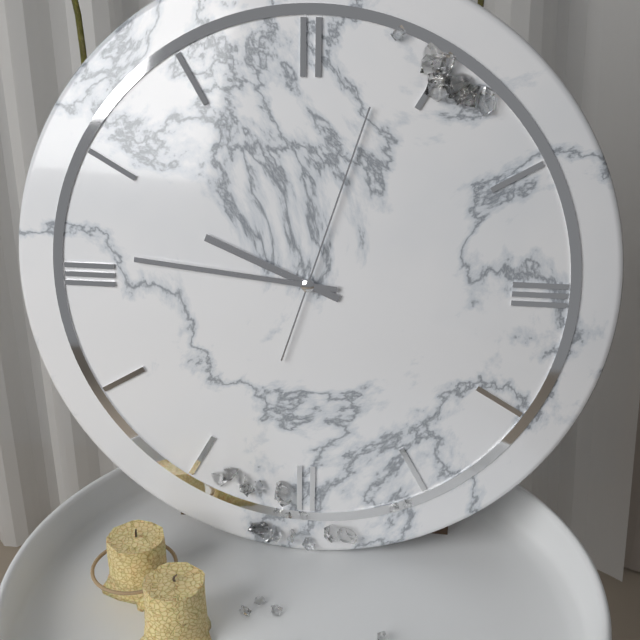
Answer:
9h46m03s
